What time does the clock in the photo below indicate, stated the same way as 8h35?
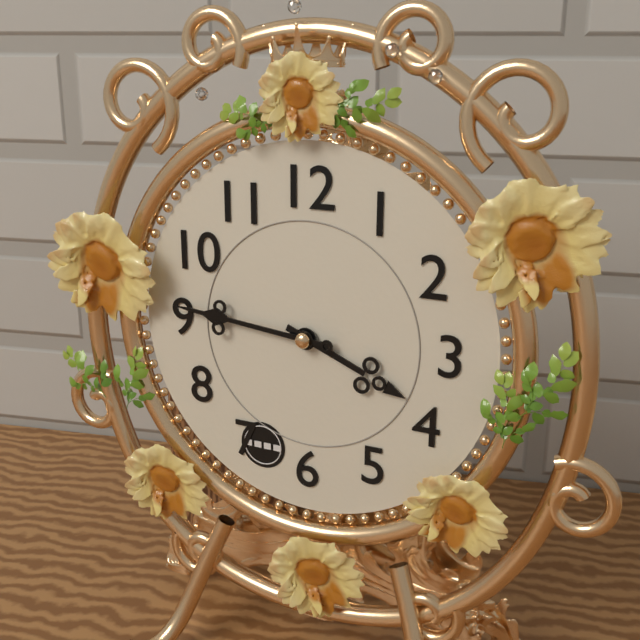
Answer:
3h46
